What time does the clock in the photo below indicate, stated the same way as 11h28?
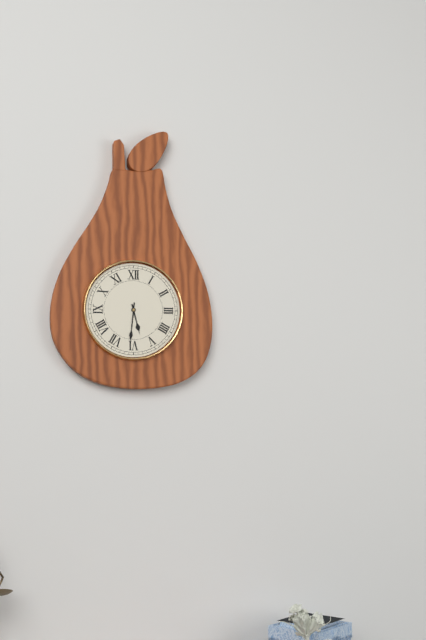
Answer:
5h31
